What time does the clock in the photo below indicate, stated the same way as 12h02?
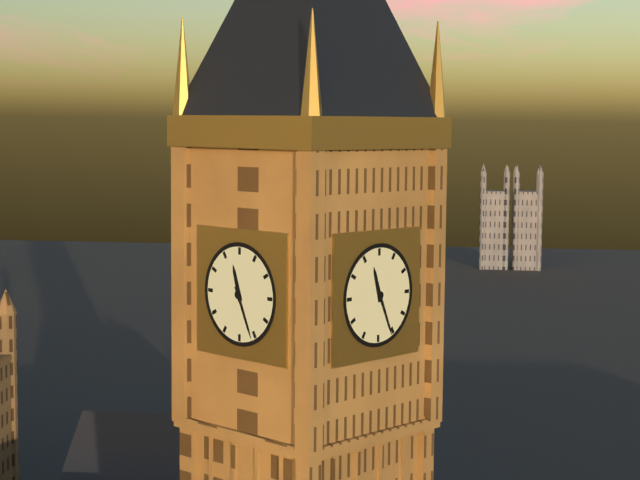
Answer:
11h26
